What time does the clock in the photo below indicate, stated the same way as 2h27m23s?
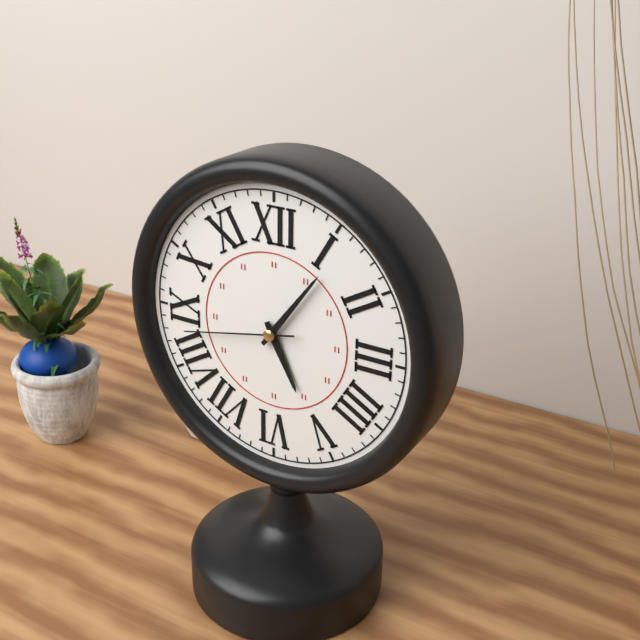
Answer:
5h06m43s
